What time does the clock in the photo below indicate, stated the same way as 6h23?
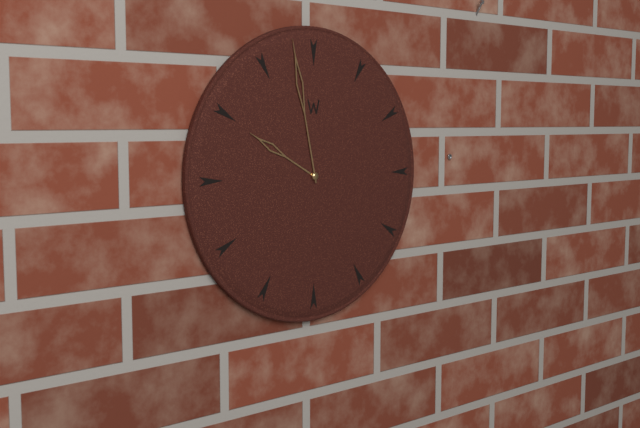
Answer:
9h58
